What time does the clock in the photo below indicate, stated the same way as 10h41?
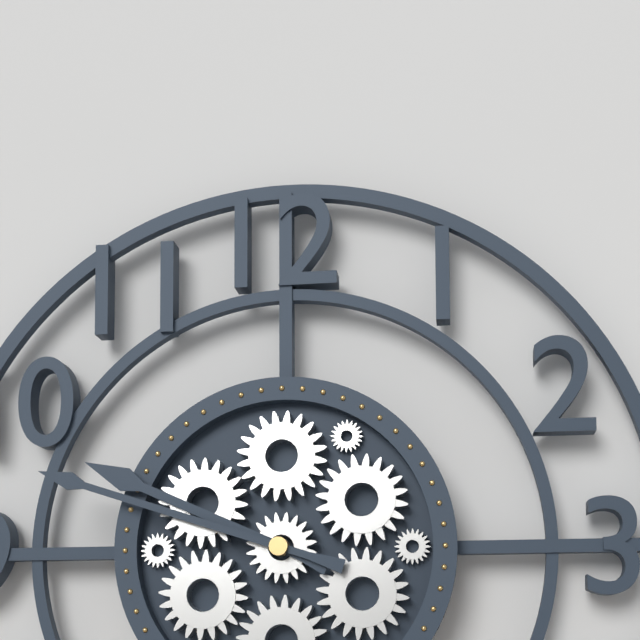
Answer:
9h48
